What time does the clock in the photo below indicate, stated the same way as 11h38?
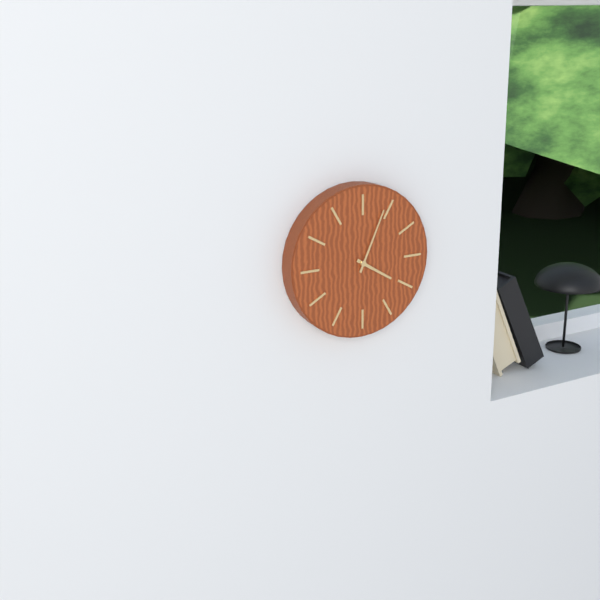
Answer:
4h04
